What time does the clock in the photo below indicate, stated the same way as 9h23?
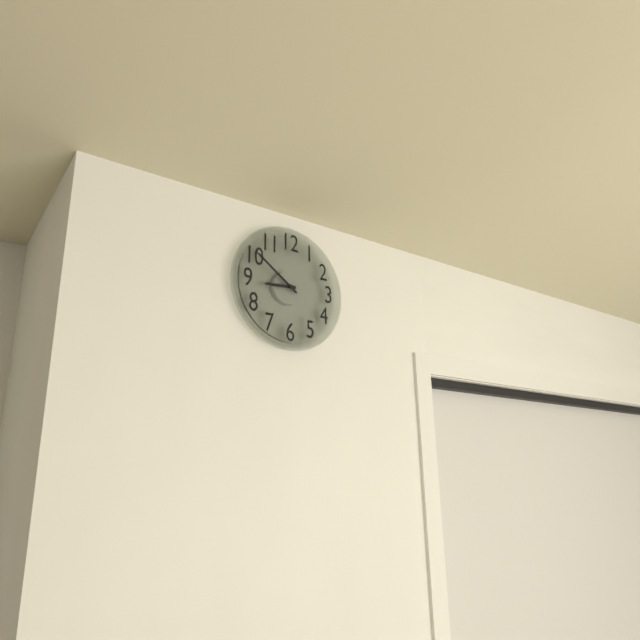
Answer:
8h51
